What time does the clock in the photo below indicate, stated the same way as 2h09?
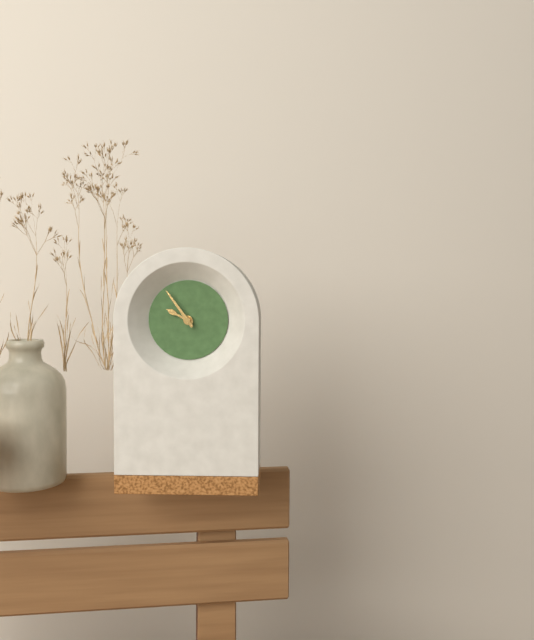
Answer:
9h54
